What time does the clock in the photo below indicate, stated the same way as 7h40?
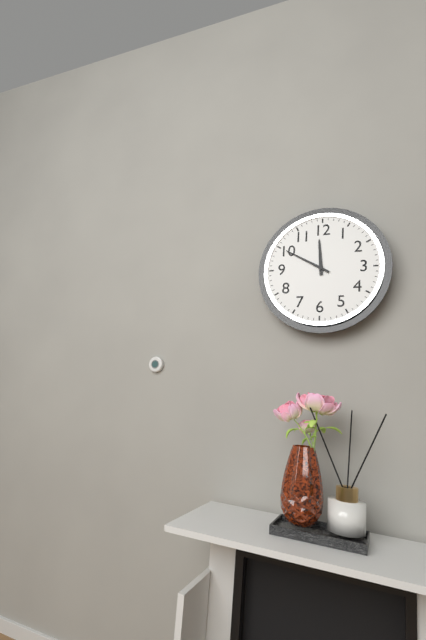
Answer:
11h50
